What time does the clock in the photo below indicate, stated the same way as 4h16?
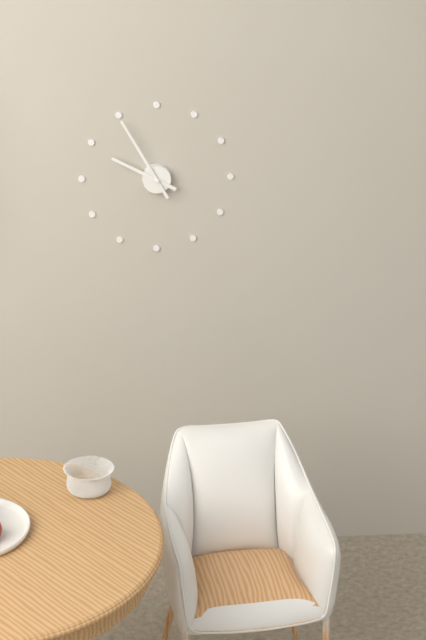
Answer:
9h55
